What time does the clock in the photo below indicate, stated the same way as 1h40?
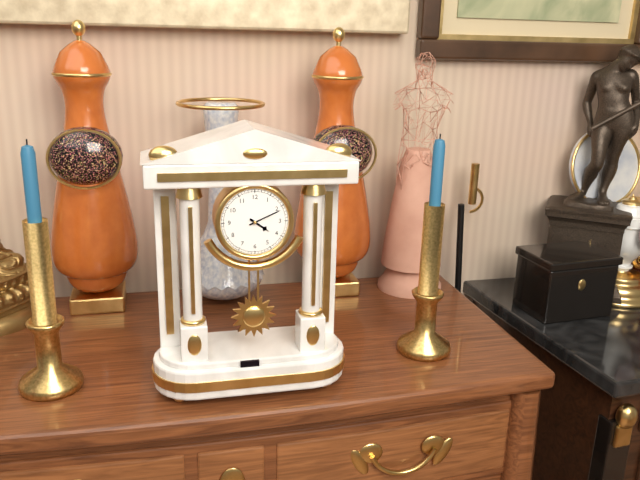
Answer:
4h11
